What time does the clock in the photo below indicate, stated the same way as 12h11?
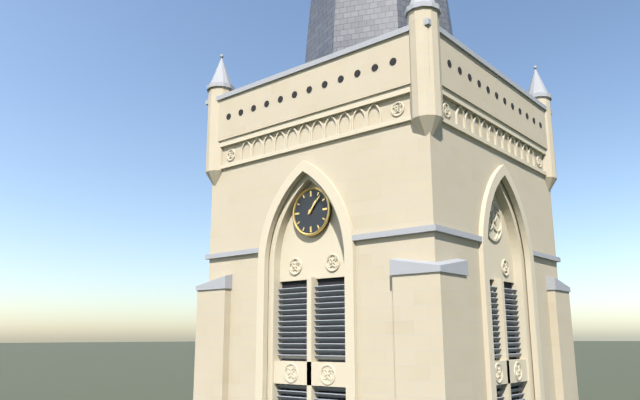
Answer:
1h07
